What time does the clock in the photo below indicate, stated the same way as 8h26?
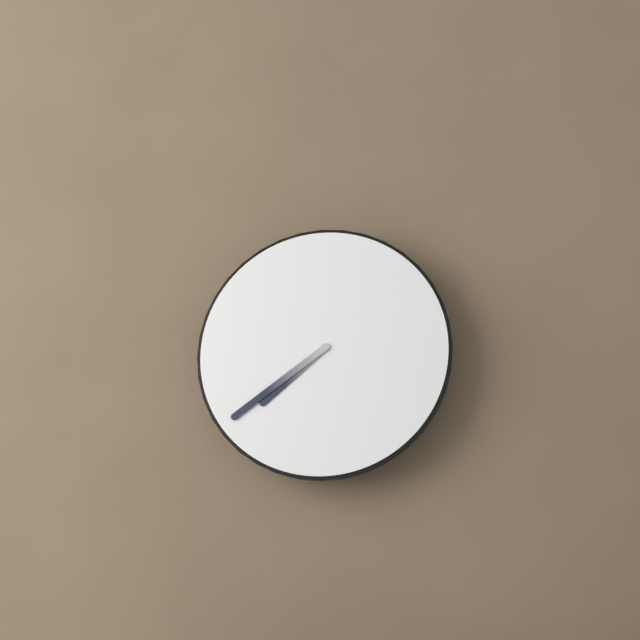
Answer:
7h39
